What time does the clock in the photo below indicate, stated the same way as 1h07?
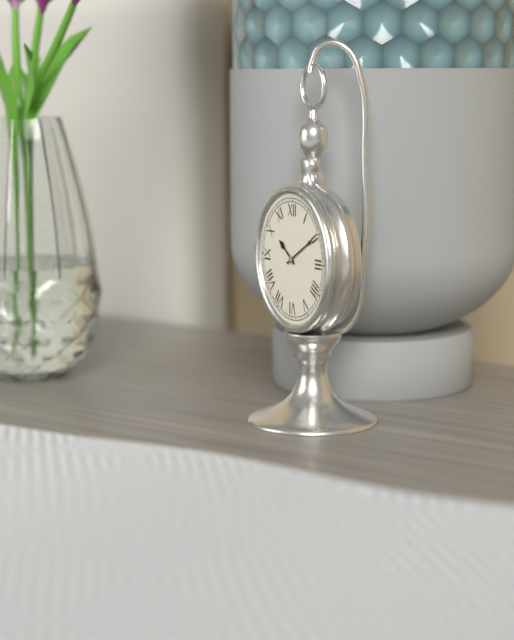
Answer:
10h10
